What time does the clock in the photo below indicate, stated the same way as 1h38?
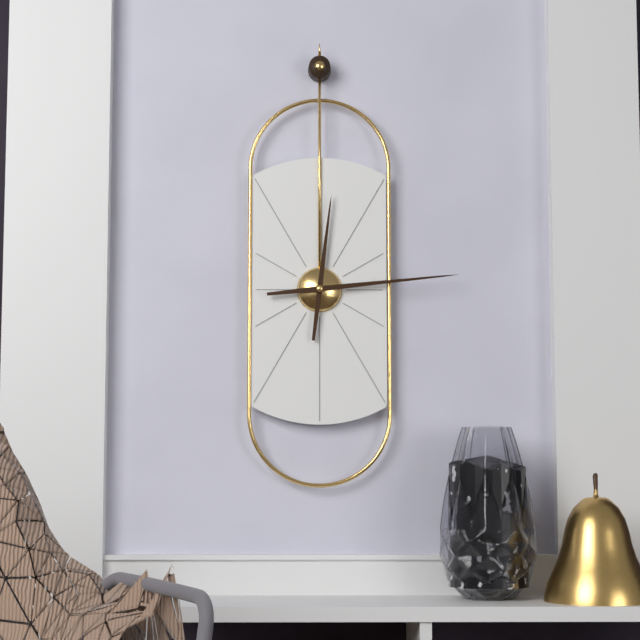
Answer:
12h14
